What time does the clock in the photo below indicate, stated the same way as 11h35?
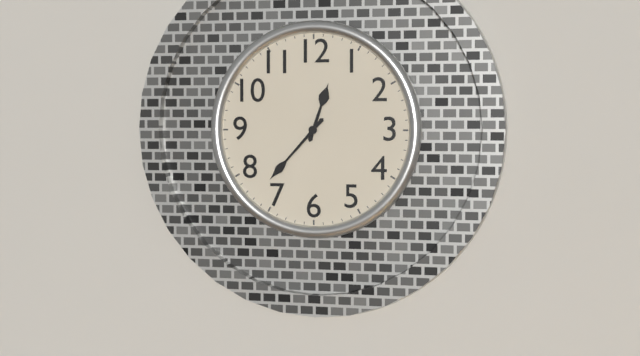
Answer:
12h37
